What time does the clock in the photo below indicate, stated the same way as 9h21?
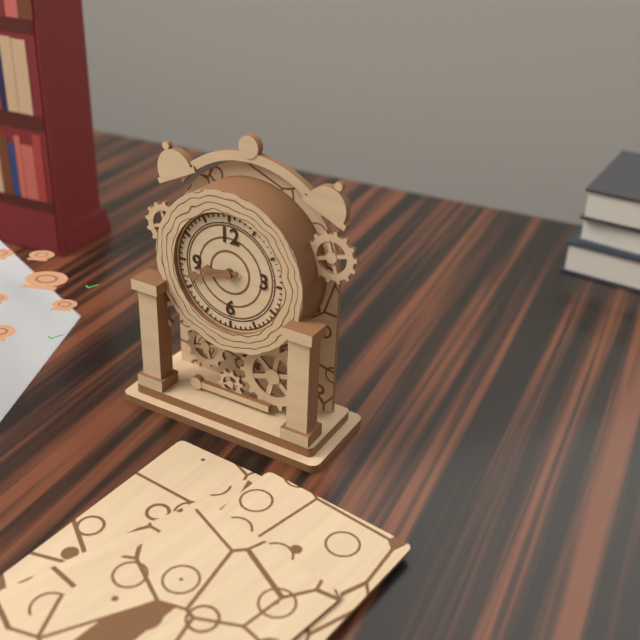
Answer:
8h42
